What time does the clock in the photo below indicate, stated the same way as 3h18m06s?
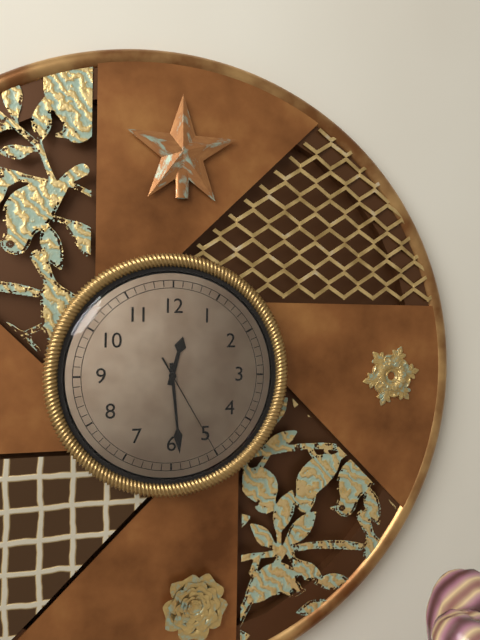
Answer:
12h29m25s
